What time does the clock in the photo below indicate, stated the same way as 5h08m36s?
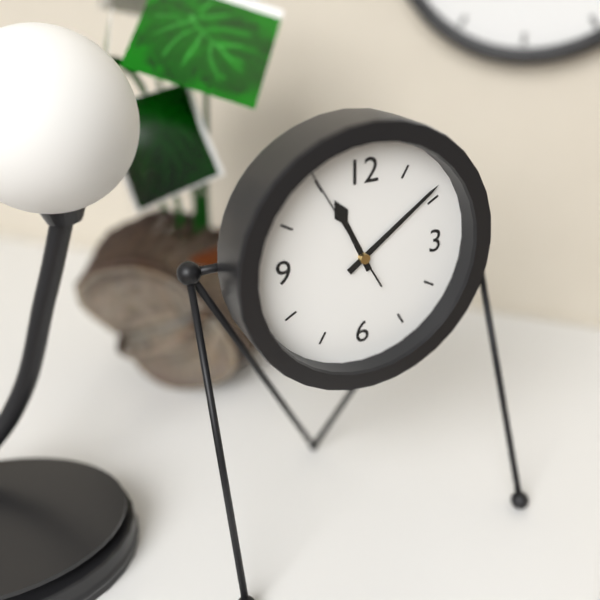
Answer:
11h09m55s
